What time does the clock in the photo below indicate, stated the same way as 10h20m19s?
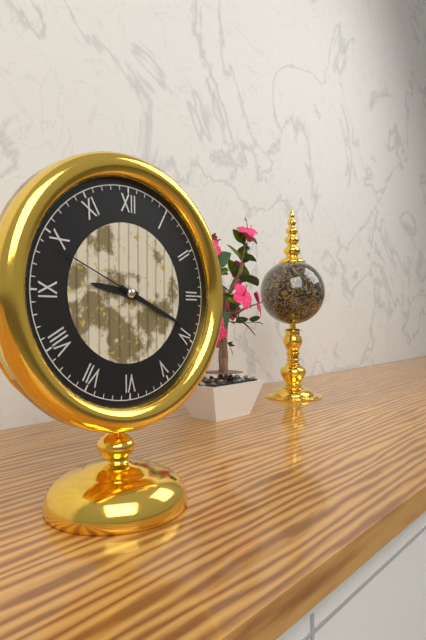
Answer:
9h19m49s
